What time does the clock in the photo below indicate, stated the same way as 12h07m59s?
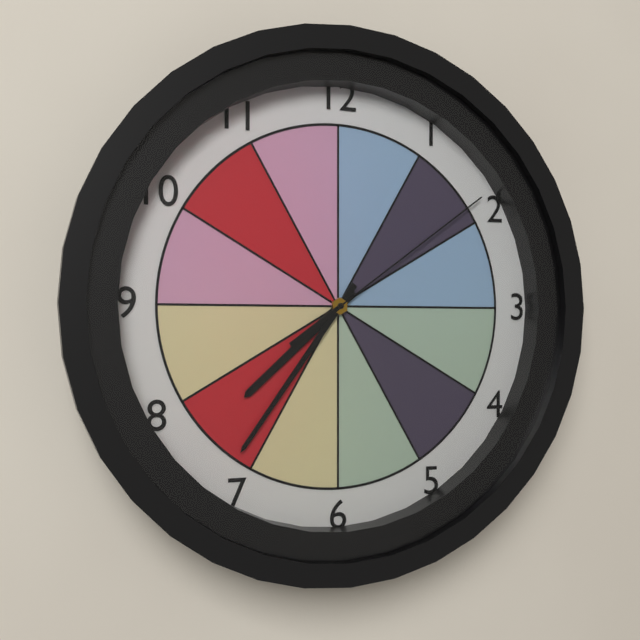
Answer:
7h36m09s
